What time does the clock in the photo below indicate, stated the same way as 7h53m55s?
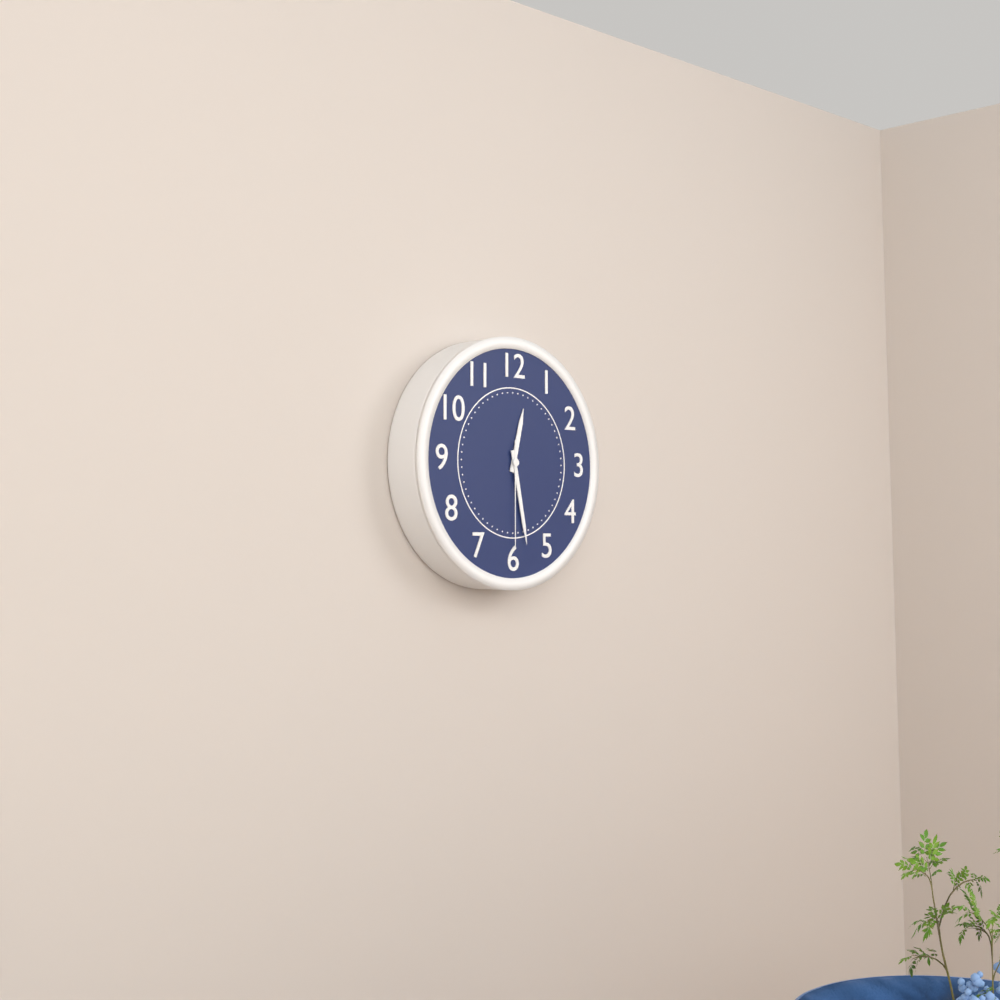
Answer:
12h28m30s
